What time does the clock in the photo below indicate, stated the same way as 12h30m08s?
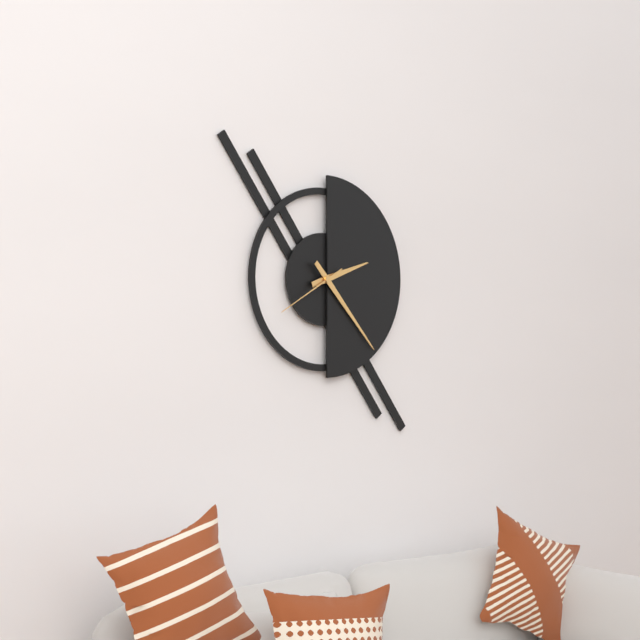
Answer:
2h23m40s
